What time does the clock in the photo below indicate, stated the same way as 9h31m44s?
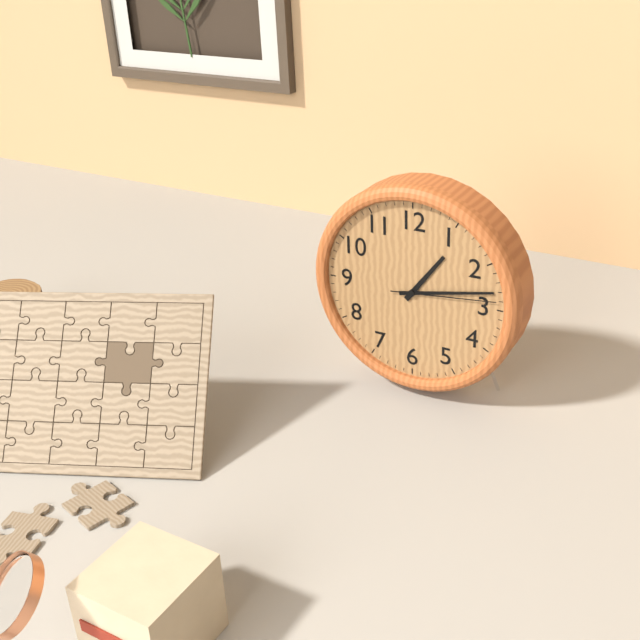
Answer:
1h13m14s
